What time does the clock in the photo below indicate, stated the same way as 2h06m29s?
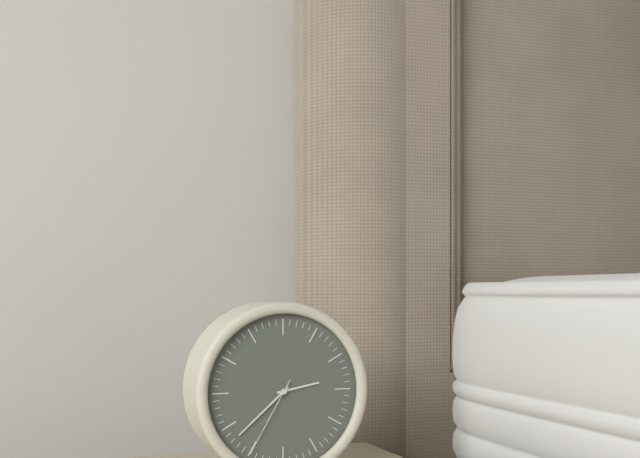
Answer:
2h38m35s
